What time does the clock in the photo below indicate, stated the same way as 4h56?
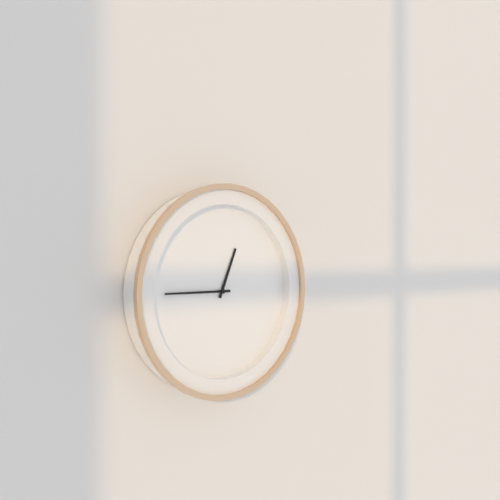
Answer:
12h45
